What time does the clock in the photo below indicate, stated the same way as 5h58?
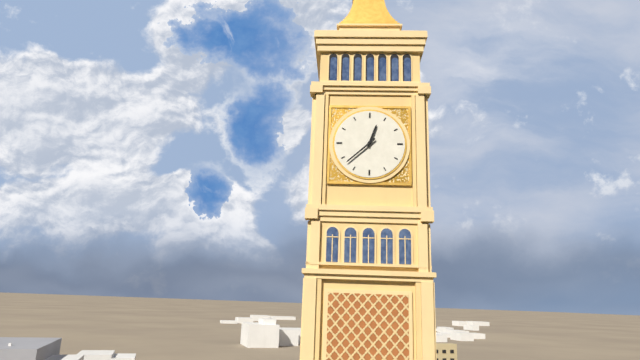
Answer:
12h38
